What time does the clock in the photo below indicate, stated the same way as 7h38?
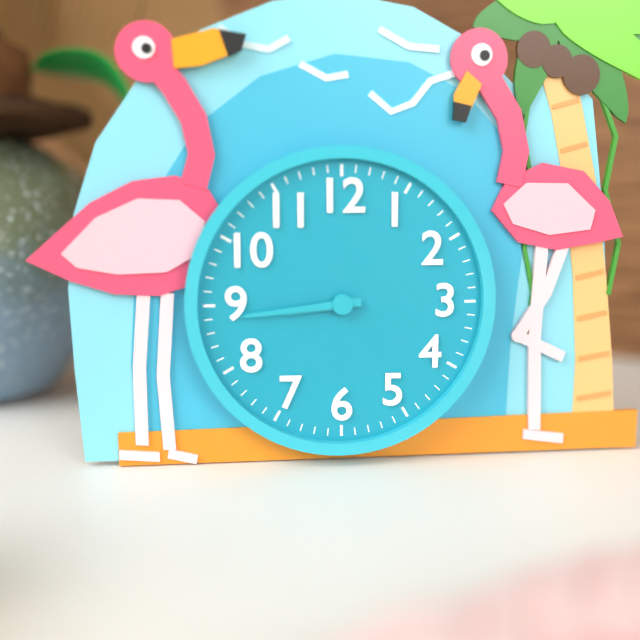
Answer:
8h44
